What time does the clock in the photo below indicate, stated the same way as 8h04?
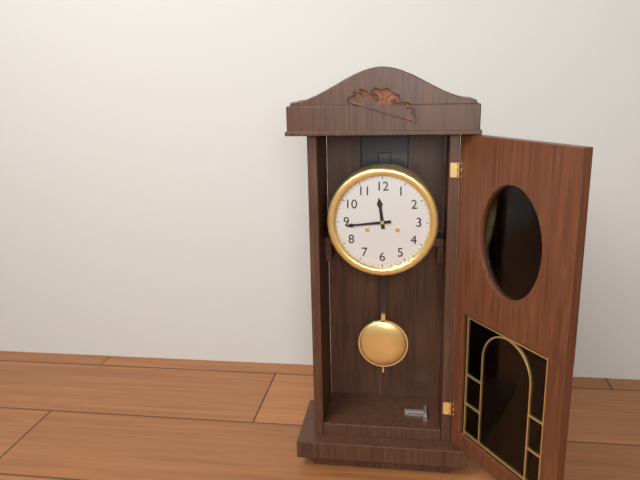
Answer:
11h44
